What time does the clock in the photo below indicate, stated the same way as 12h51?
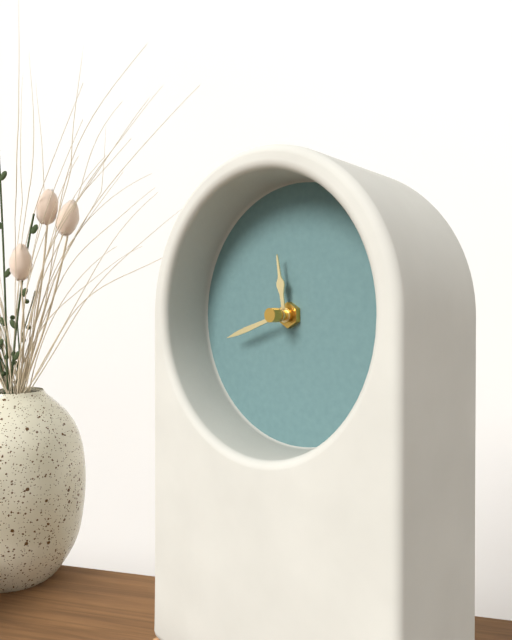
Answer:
11h42
